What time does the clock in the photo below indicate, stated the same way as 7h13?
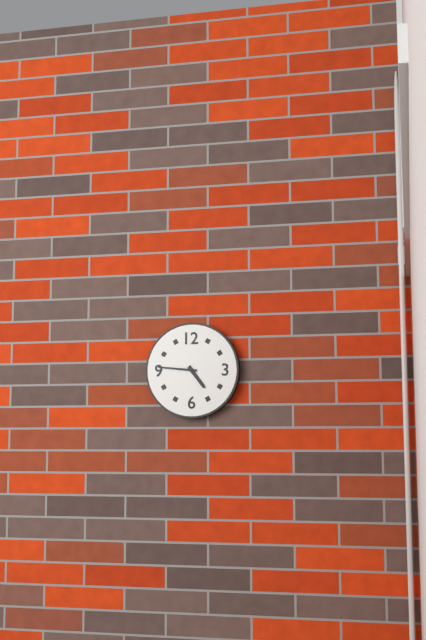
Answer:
4h46
